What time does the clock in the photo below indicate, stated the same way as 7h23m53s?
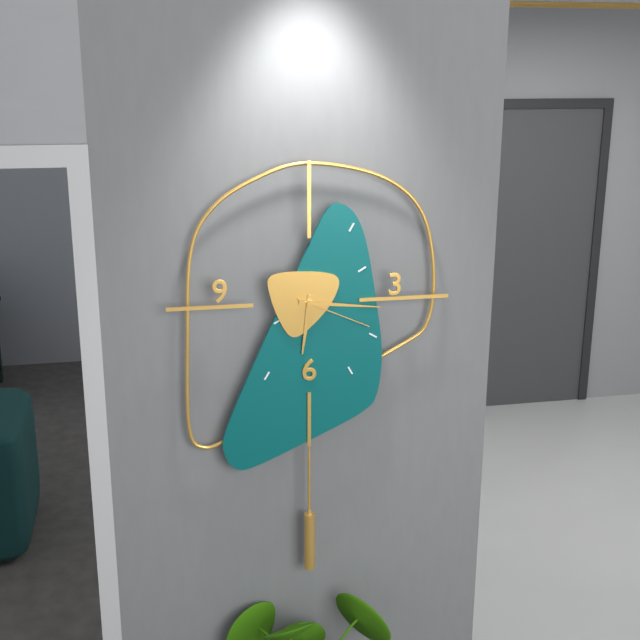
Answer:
6h16m19s
